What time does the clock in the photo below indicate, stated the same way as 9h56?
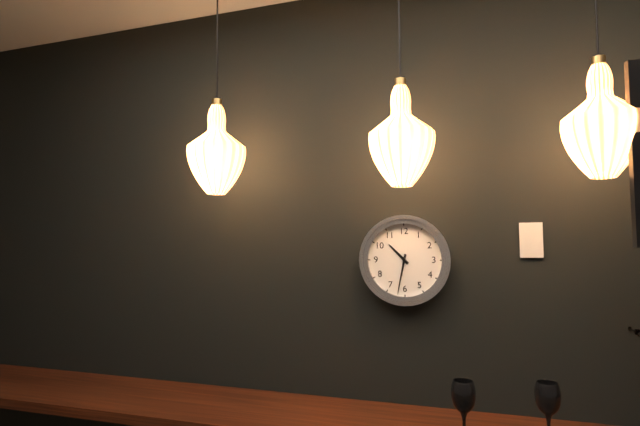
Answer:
10h32
